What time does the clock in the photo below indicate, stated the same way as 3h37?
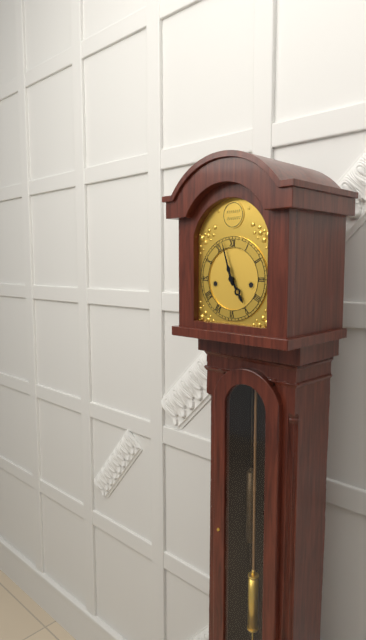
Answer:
4h57
